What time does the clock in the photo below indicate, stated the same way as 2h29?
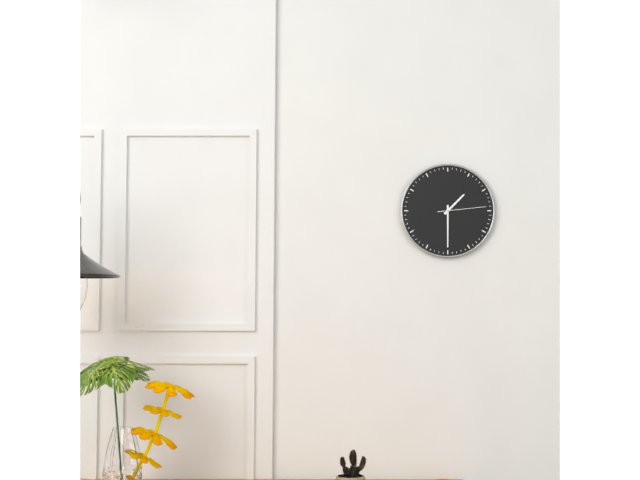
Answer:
1h30
